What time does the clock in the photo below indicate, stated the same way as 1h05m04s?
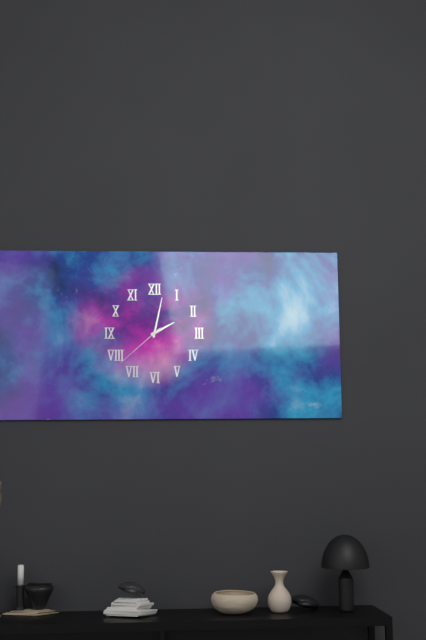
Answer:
2h02m38s
